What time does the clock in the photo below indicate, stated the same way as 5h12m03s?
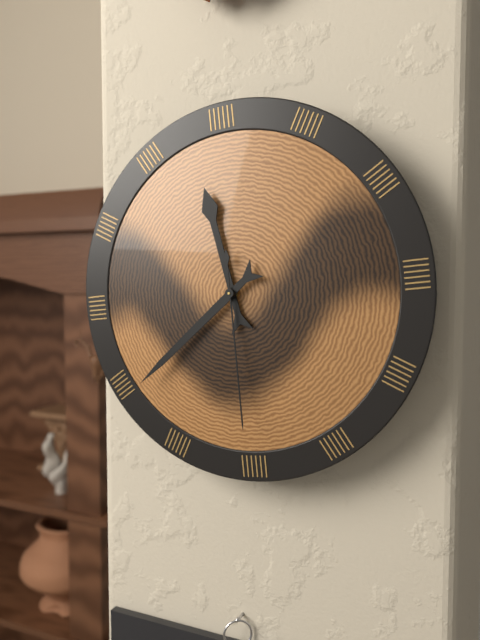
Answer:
11h39m30s
